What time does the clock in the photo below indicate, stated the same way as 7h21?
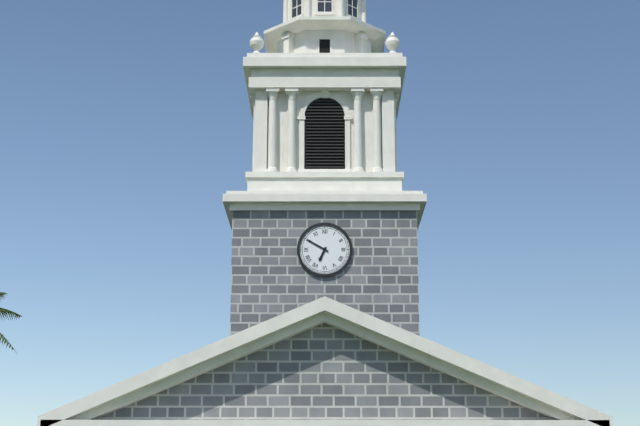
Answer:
6h50
